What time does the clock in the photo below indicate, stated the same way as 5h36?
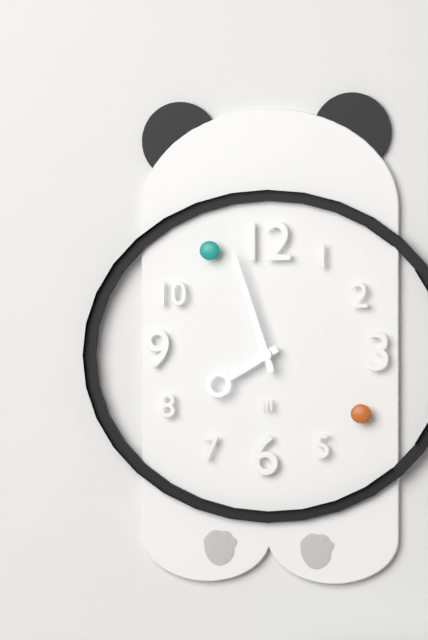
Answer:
7h57
